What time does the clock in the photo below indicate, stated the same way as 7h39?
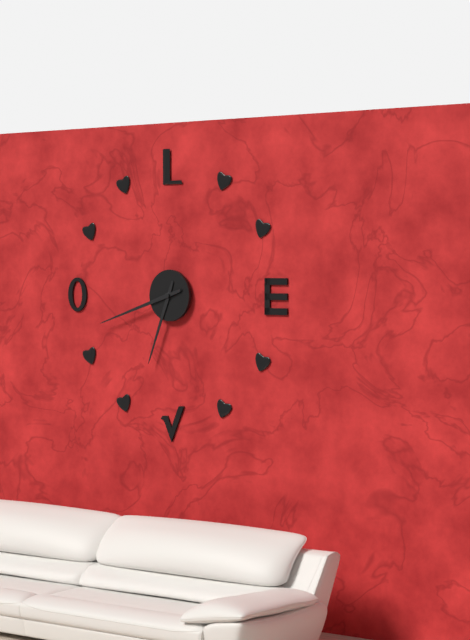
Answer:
6h42
